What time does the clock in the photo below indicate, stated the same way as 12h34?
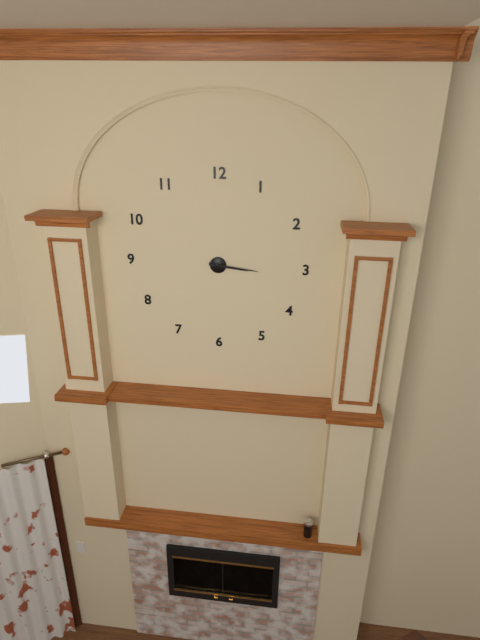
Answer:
3h16
